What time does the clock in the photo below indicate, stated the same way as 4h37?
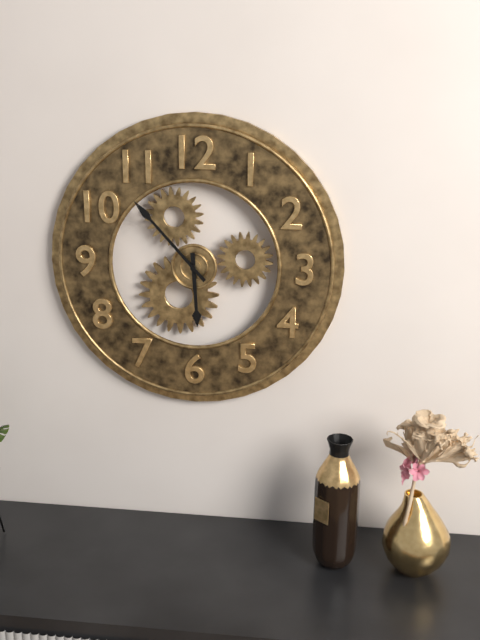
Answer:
5h53
